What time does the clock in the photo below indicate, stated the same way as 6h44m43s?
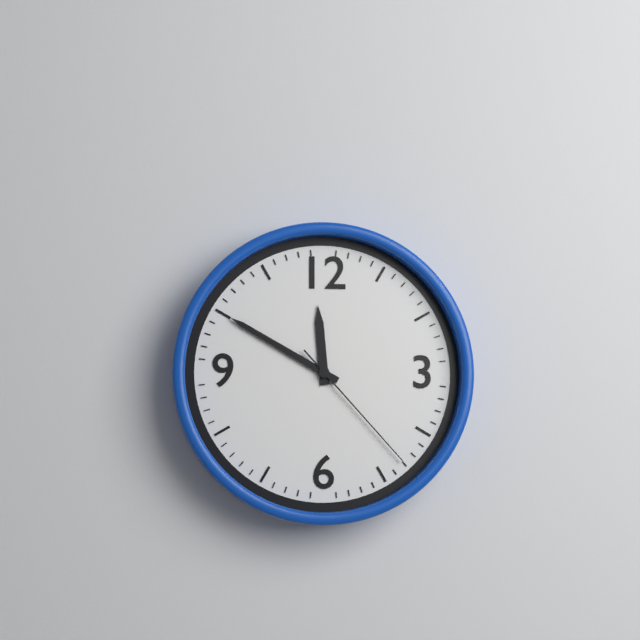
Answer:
11h50m23s
